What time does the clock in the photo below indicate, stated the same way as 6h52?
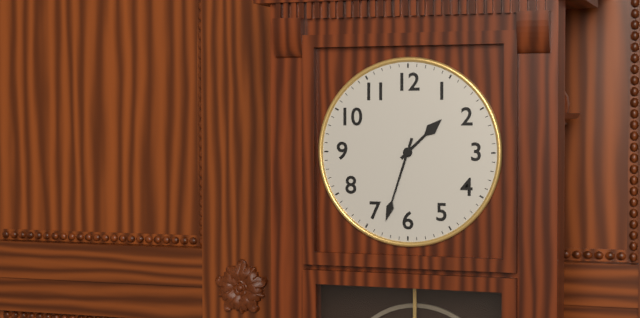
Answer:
1h33
